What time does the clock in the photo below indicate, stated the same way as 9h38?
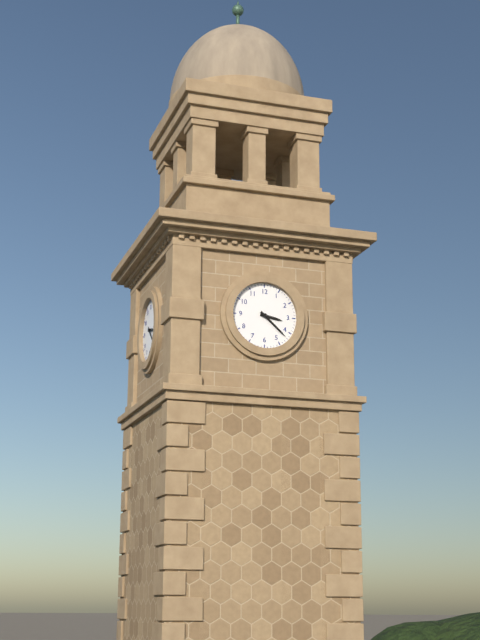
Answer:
3h22
